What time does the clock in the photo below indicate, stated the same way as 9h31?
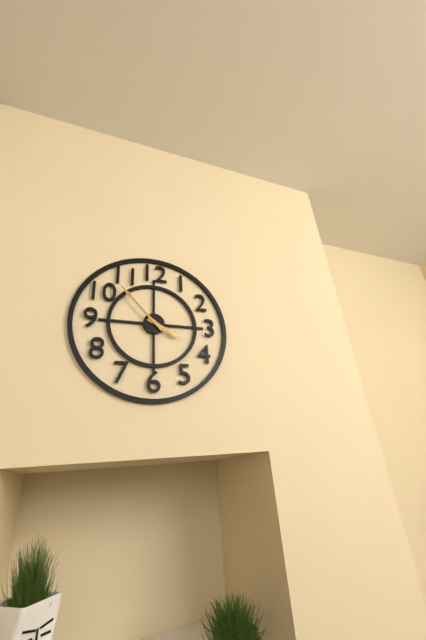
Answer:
3h53
